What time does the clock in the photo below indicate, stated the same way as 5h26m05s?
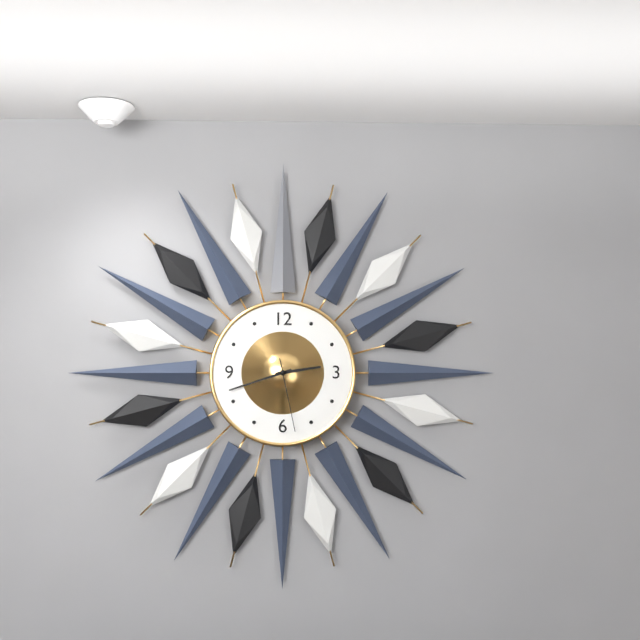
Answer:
2h42m28s
